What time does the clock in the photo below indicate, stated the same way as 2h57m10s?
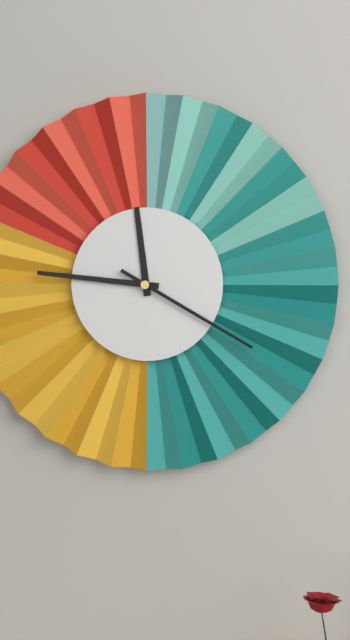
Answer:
11h46m20s
